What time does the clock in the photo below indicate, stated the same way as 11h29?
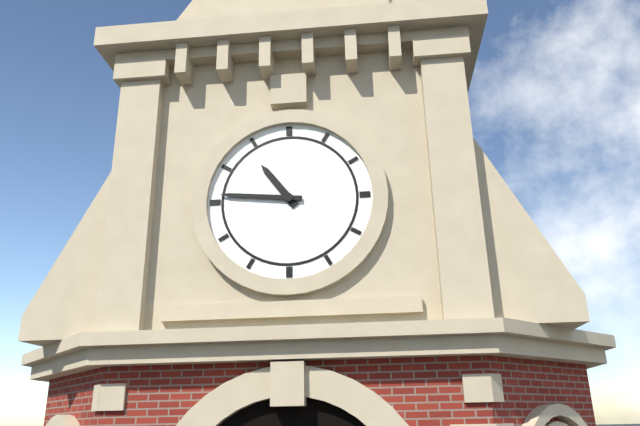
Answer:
10h46
